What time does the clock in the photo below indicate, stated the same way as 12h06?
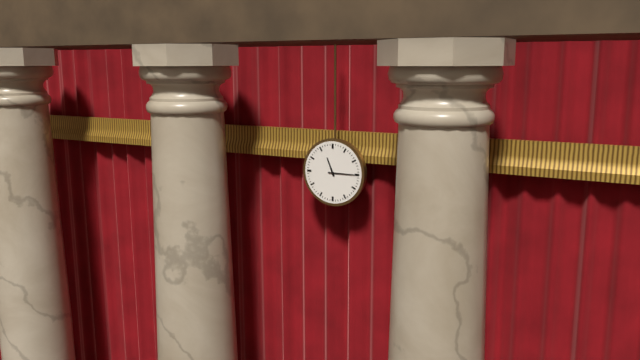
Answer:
11h15
